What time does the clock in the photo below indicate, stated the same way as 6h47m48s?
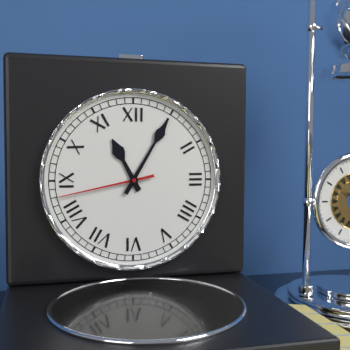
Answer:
11h05m43s
